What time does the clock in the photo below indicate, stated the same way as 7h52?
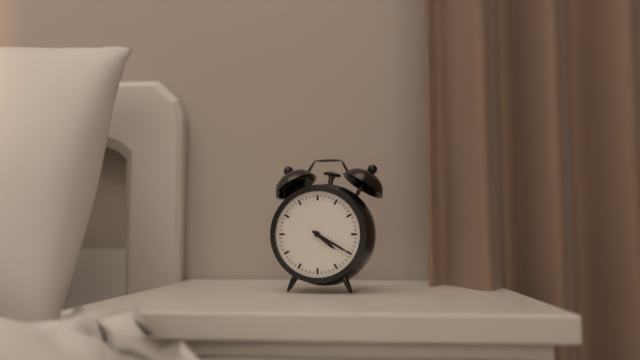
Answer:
4h20
